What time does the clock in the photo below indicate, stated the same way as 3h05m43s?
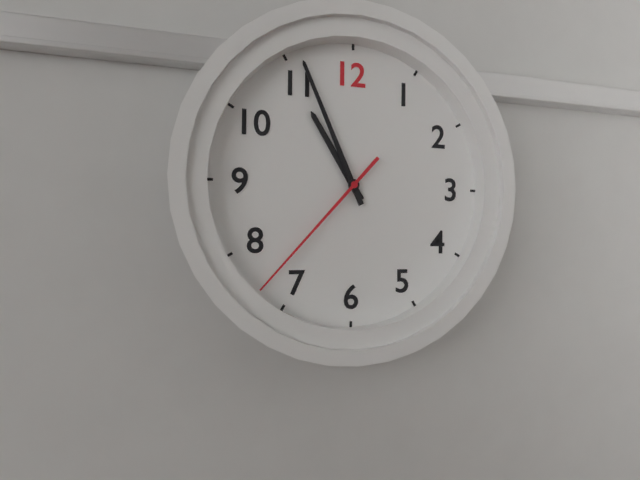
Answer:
10h56m37s
